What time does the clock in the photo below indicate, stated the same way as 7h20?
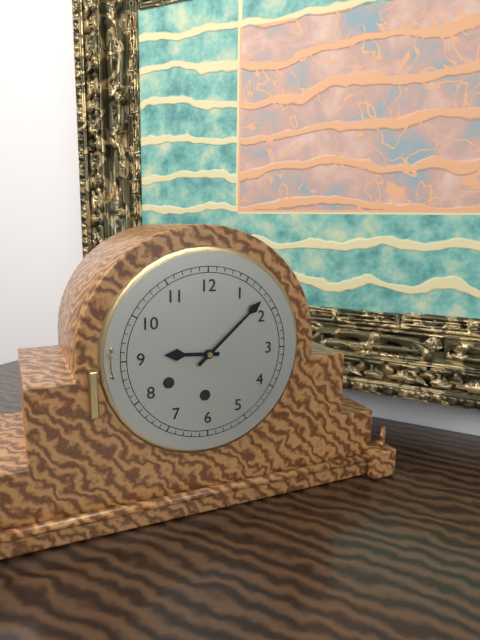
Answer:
9h08
